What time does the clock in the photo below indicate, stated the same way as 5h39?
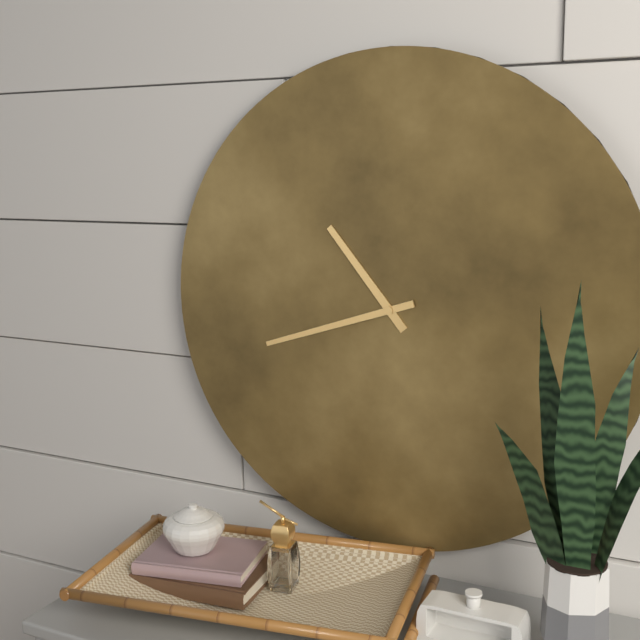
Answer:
10h42
